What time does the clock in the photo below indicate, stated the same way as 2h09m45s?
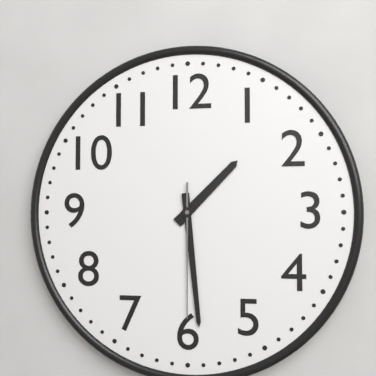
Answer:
1h29m30s
